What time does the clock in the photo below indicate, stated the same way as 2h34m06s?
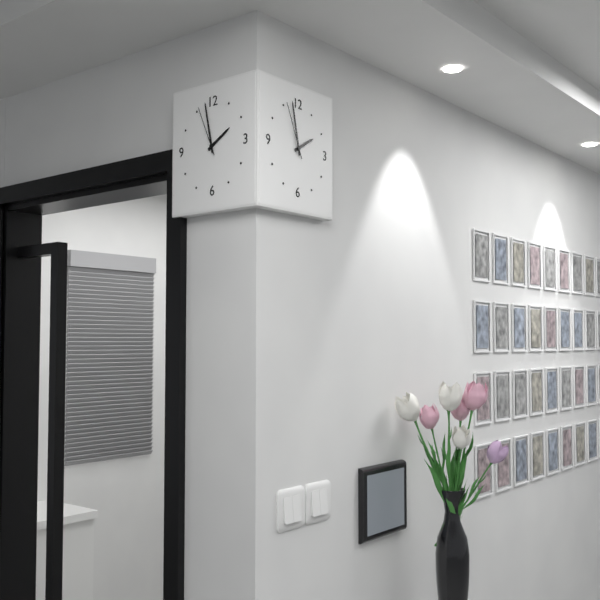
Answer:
1h58m56s
